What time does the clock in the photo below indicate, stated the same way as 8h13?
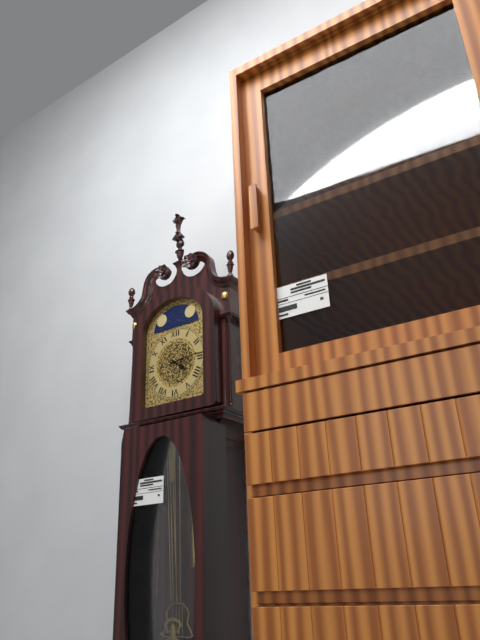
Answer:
4h14
